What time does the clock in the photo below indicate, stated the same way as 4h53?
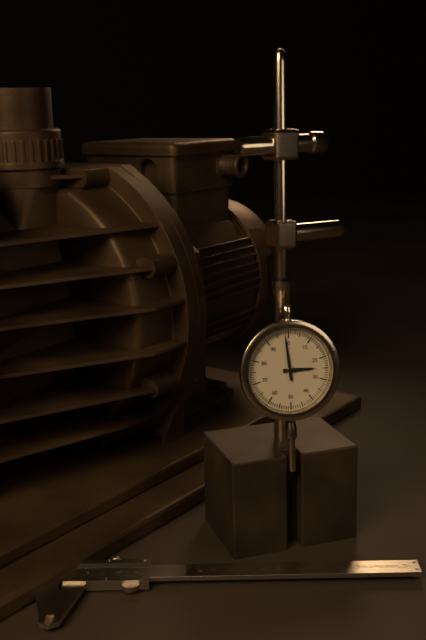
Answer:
2h59
